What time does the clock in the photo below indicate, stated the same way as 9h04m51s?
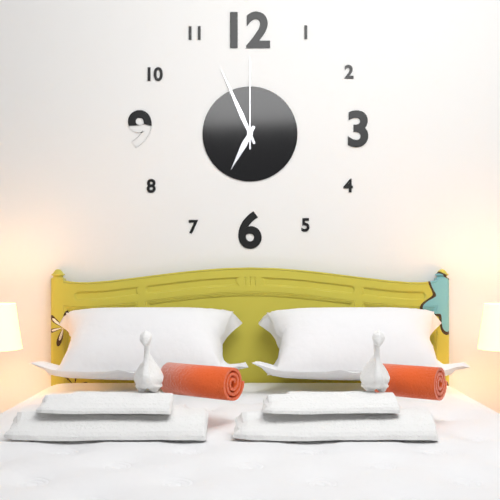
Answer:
6h56m00s
